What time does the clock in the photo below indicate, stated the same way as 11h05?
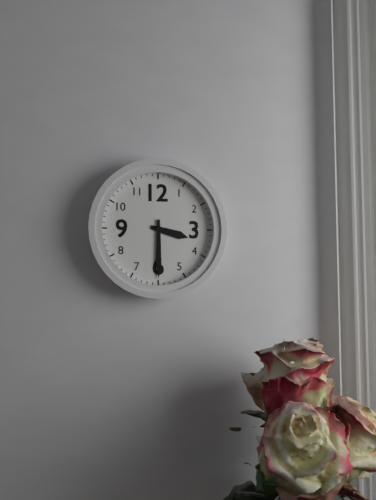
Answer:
3h30
